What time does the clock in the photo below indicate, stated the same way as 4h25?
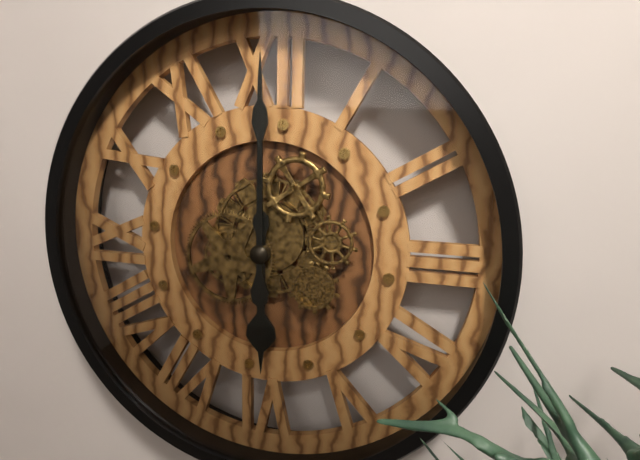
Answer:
6h00
